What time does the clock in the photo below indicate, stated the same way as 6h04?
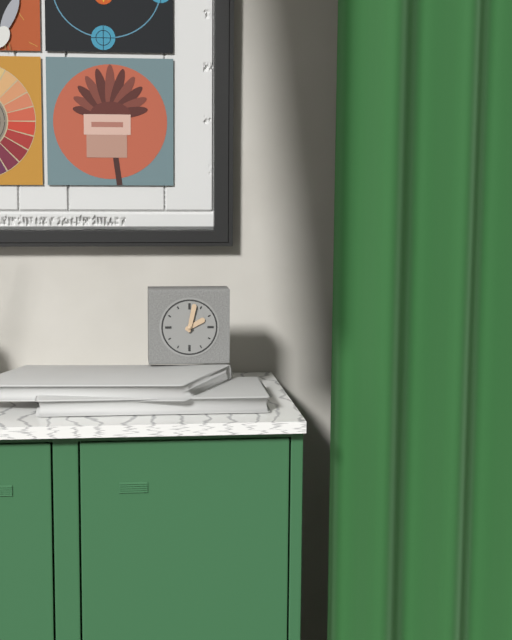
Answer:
2h02
